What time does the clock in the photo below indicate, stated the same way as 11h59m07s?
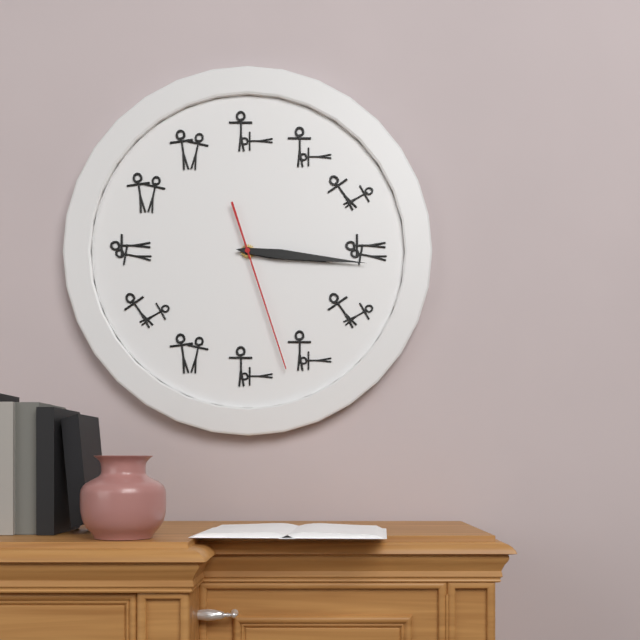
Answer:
3h16m27s
